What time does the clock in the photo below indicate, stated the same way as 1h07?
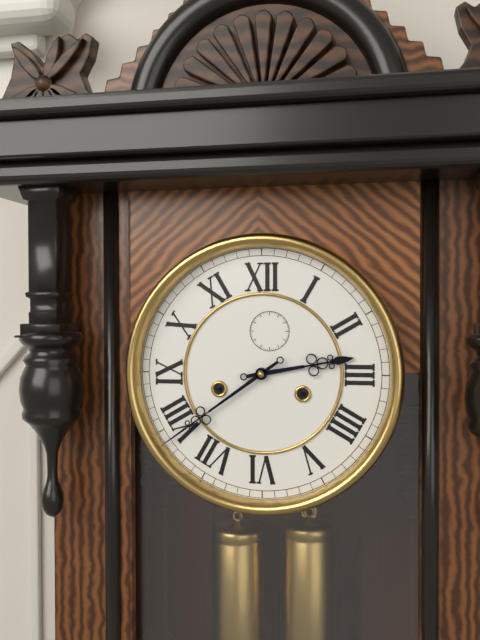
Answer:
2h39
